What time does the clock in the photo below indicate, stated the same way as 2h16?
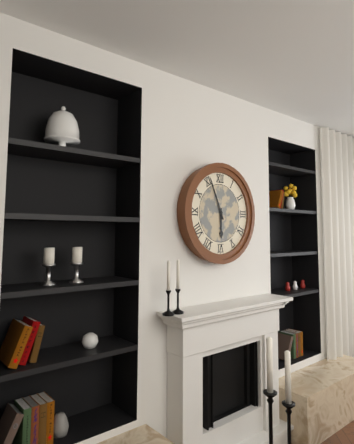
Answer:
5h56
